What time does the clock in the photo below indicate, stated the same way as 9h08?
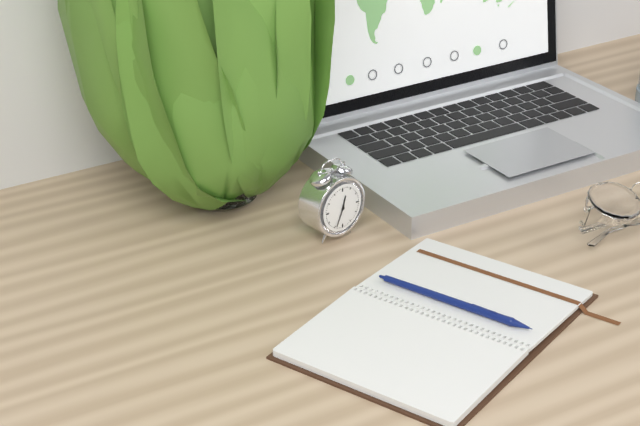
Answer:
12h34
